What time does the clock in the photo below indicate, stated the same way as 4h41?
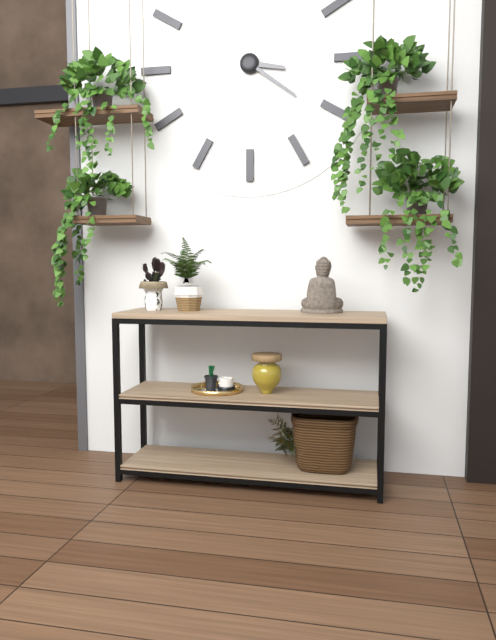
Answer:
3h21
